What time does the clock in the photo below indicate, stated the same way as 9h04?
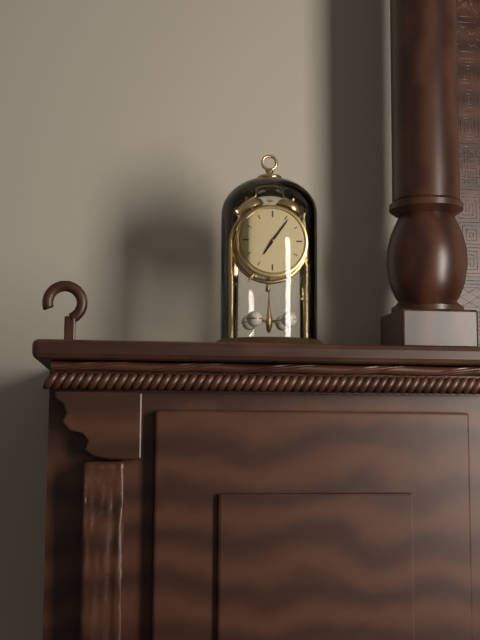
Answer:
7h06
